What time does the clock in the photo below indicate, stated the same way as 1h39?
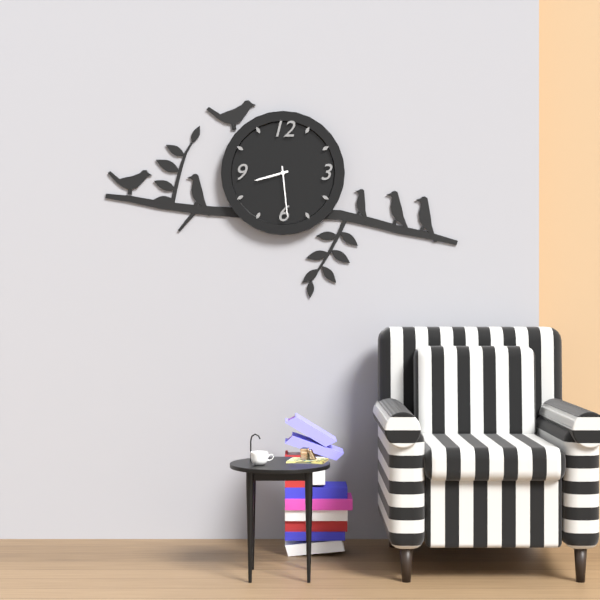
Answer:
8h29
